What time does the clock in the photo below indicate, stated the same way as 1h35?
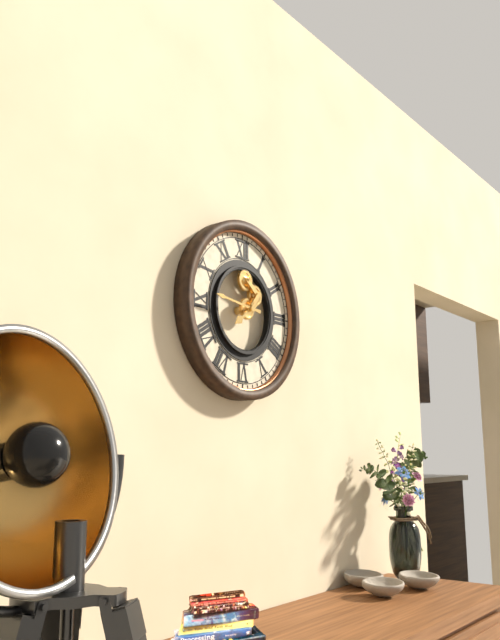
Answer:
7h46
